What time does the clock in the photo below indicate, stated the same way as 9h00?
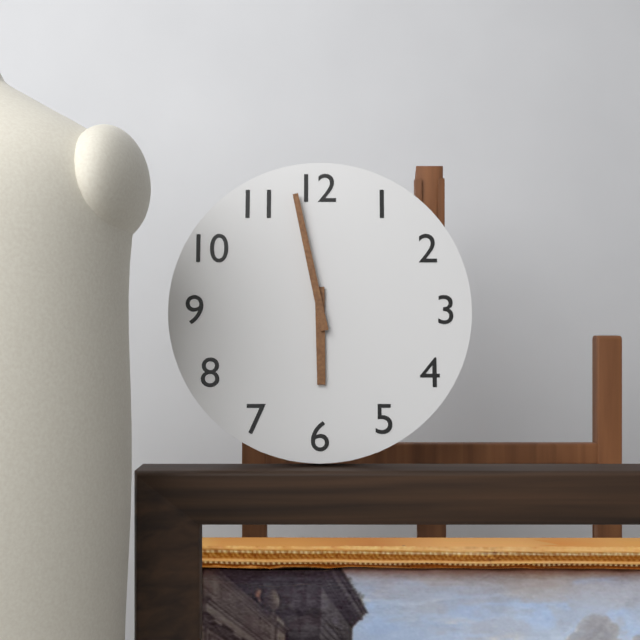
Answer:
5h58
